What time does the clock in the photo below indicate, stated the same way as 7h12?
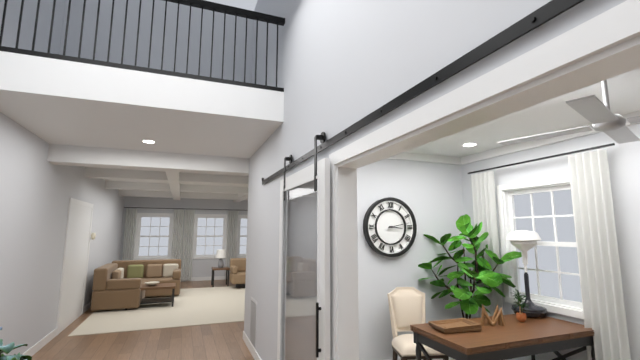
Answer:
3h13
